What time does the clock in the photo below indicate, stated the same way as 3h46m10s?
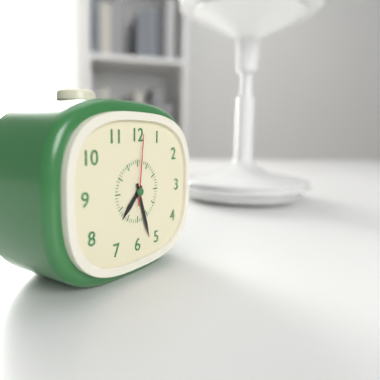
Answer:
7h27m01s
